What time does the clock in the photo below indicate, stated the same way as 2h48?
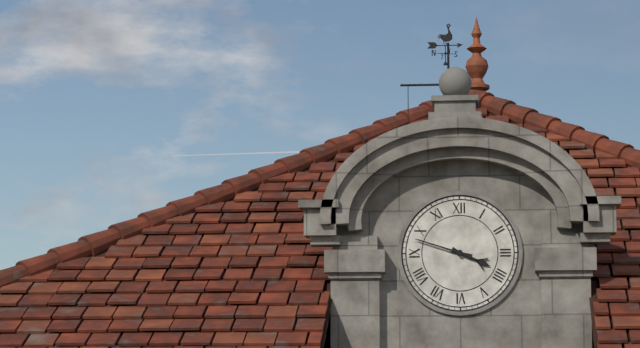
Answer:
3h48
